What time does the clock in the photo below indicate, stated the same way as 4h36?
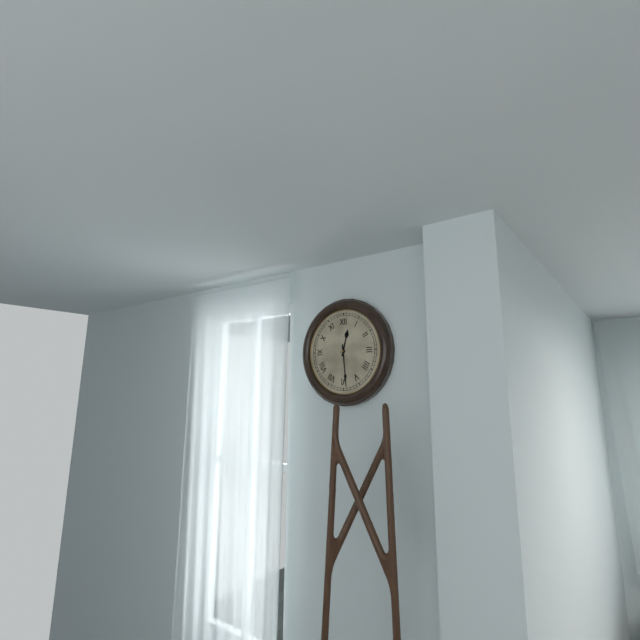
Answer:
12h29
